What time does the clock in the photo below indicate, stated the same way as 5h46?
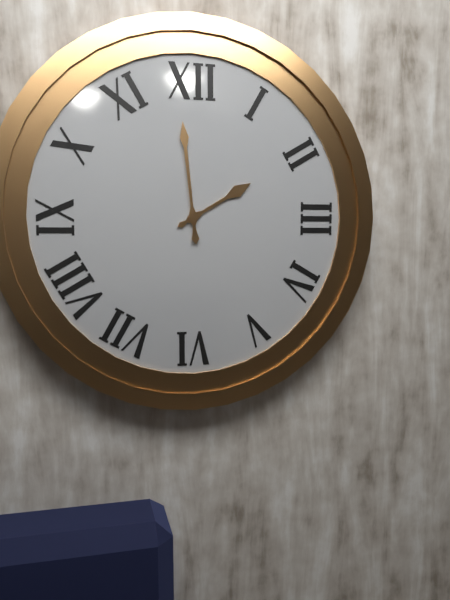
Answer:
1h59
